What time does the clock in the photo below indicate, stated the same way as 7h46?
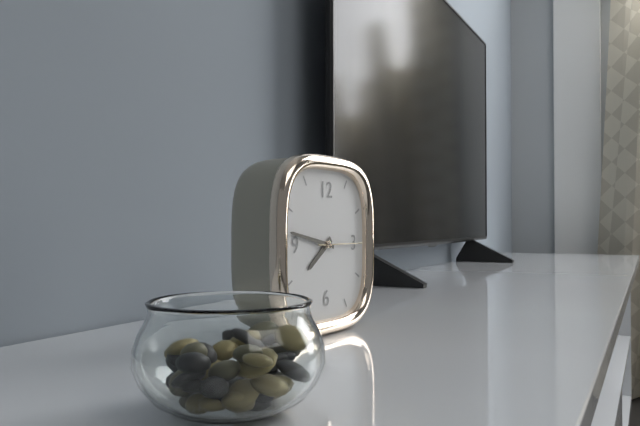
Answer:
7h47
